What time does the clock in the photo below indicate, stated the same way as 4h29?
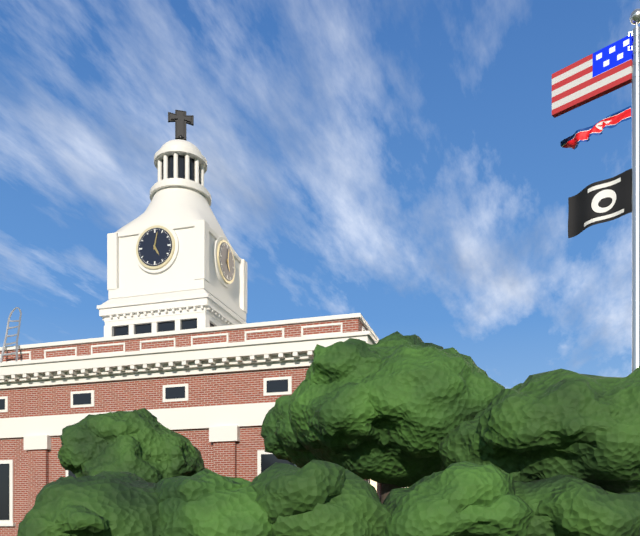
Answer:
5h02
